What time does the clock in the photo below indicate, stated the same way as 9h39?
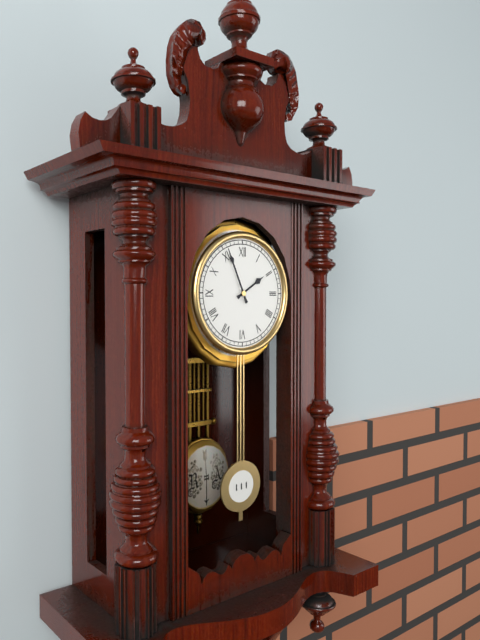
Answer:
1h56
